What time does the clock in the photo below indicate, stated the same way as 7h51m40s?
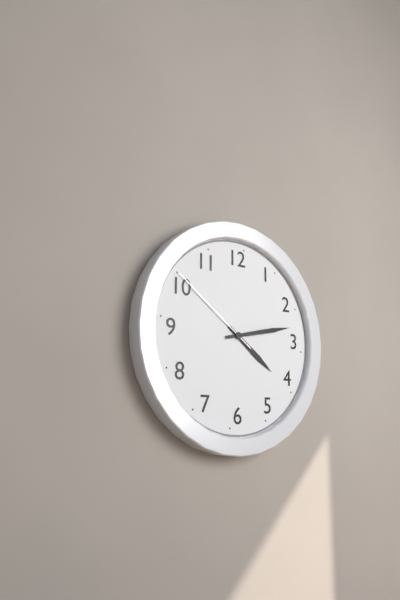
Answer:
4h13m51s
